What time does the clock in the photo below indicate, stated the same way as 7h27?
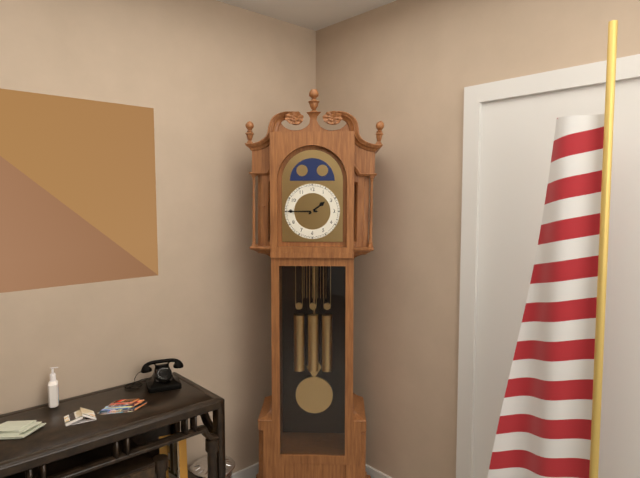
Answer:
1h45
